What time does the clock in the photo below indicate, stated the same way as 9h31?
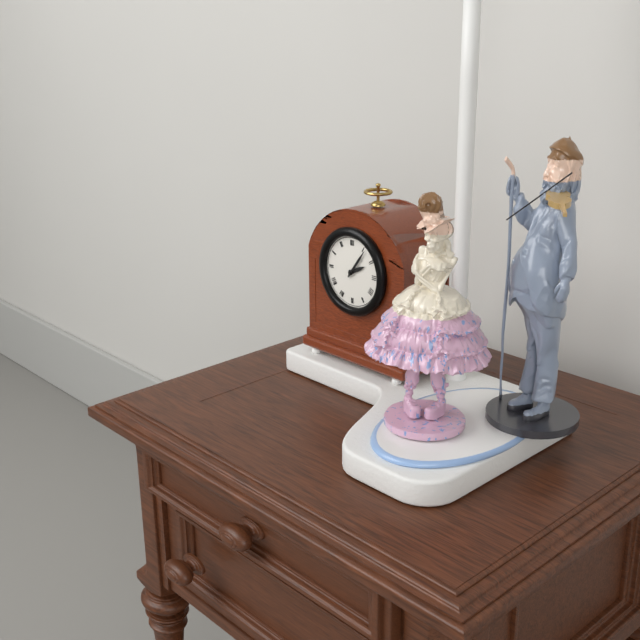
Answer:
2h06
